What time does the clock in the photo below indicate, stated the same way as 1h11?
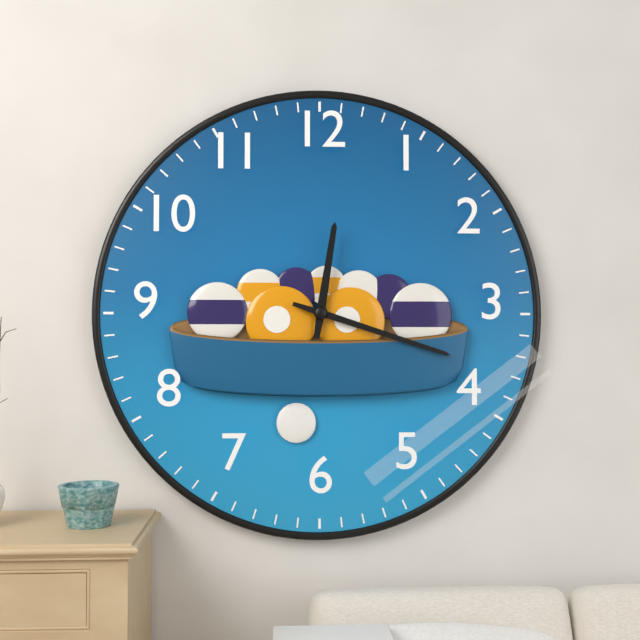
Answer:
12h18
